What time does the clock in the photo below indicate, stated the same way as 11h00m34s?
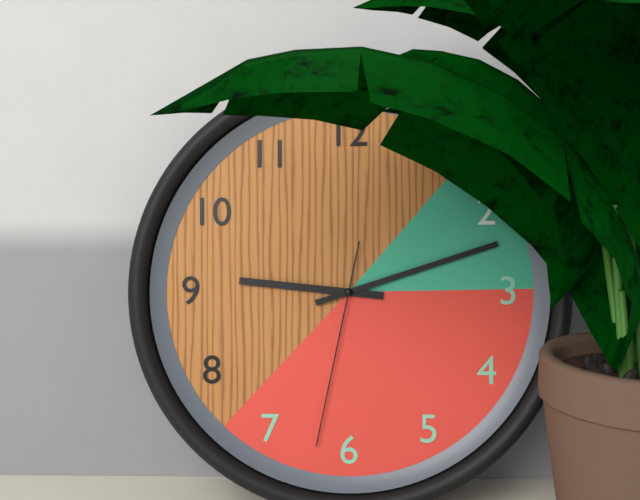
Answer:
9h12m32s
